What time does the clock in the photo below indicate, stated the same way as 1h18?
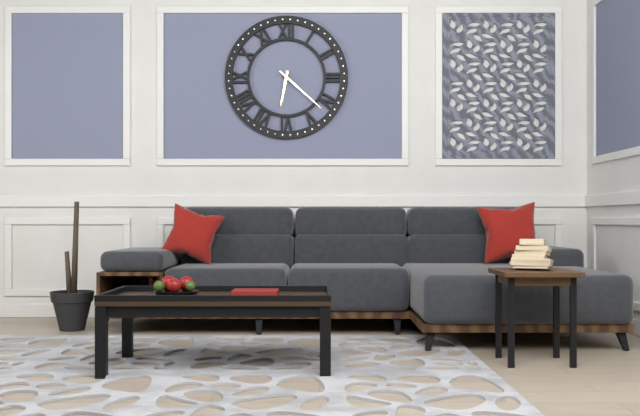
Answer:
6h22
